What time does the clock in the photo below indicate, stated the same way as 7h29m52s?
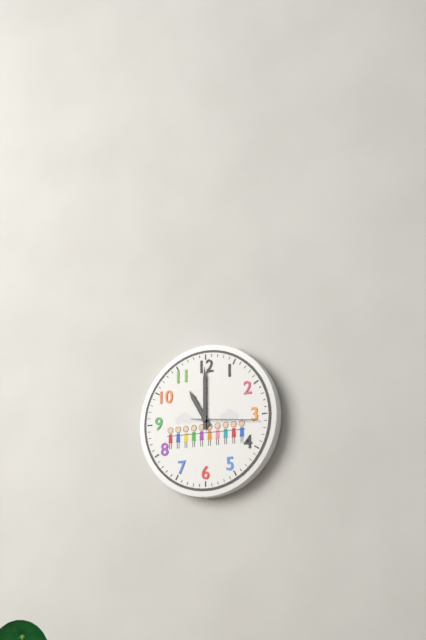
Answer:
11h00m16s
